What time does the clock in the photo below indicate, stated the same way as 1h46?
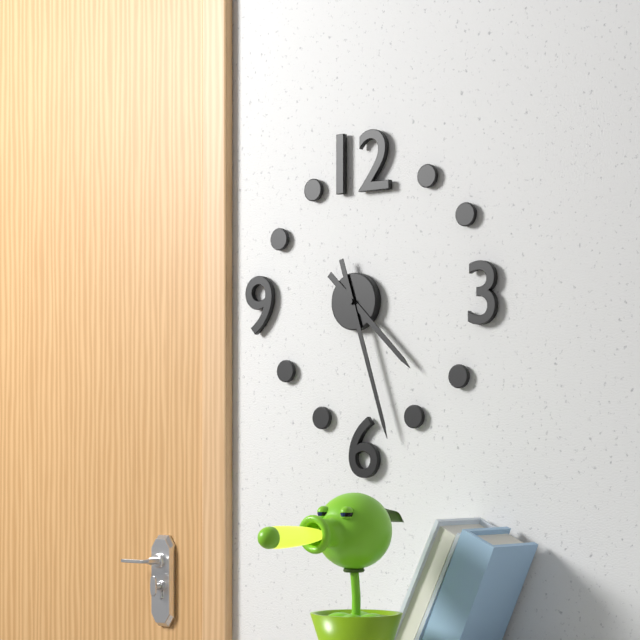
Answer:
4h27
